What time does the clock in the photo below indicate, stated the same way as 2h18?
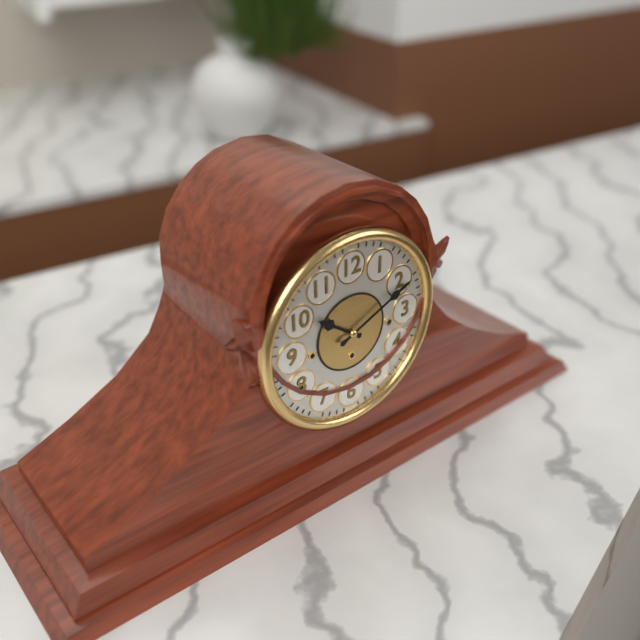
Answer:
10h11
